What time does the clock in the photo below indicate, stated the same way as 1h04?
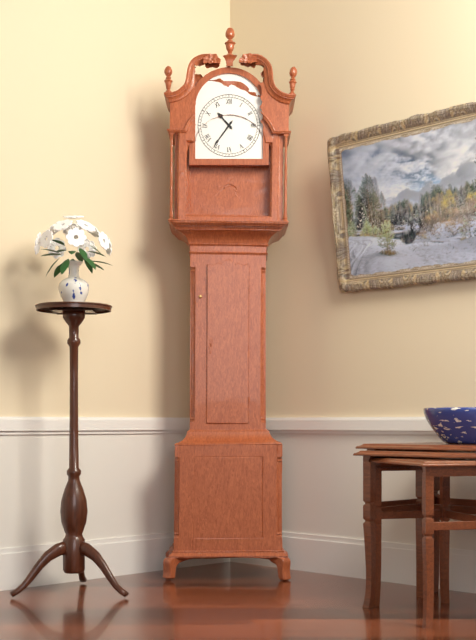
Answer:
10h36
